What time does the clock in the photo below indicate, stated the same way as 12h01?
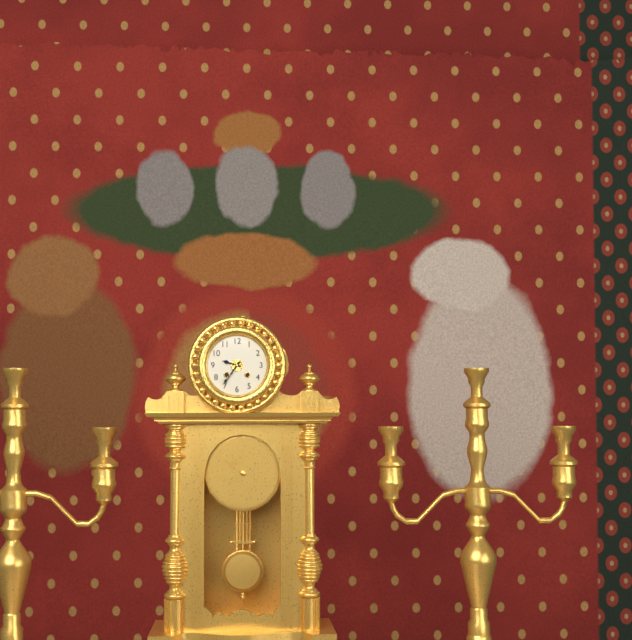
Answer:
9h36
